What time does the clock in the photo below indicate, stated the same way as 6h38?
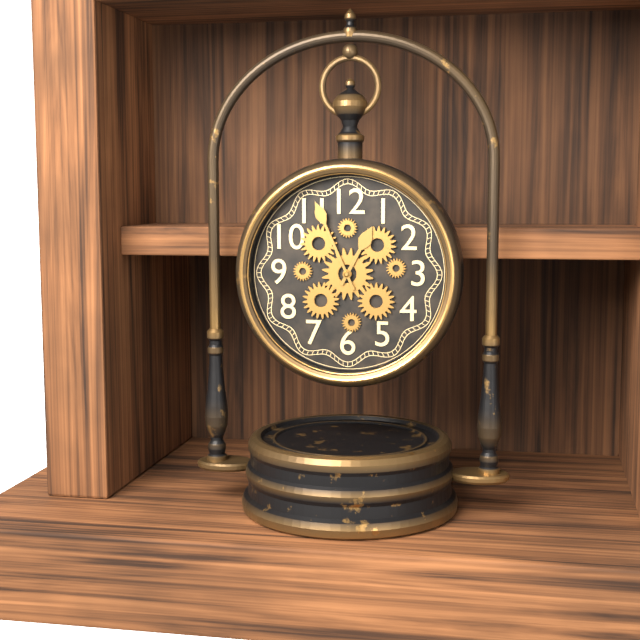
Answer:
12h56
